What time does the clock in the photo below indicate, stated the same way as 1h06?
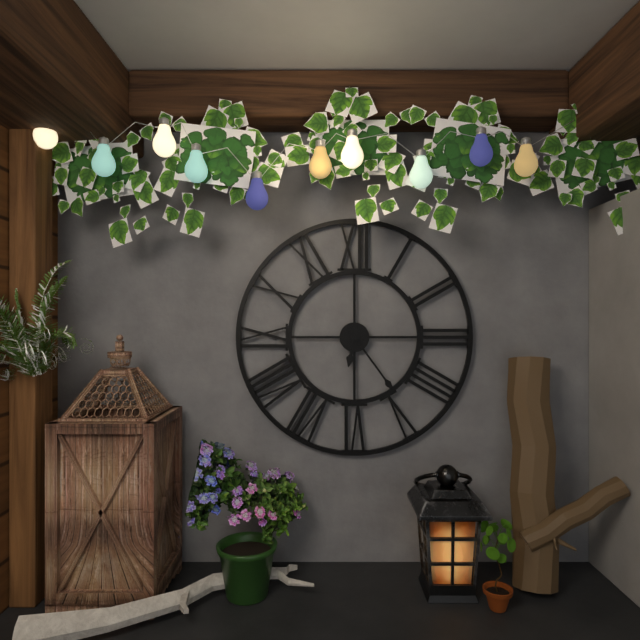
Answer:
6h24
